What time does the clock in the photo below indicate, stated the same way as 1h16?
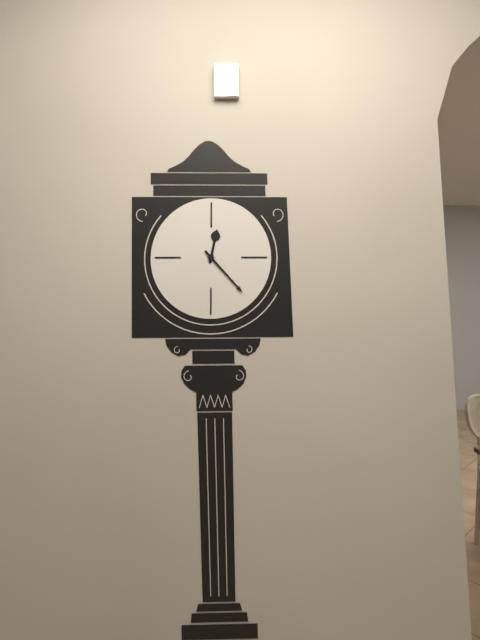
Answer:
12h23
